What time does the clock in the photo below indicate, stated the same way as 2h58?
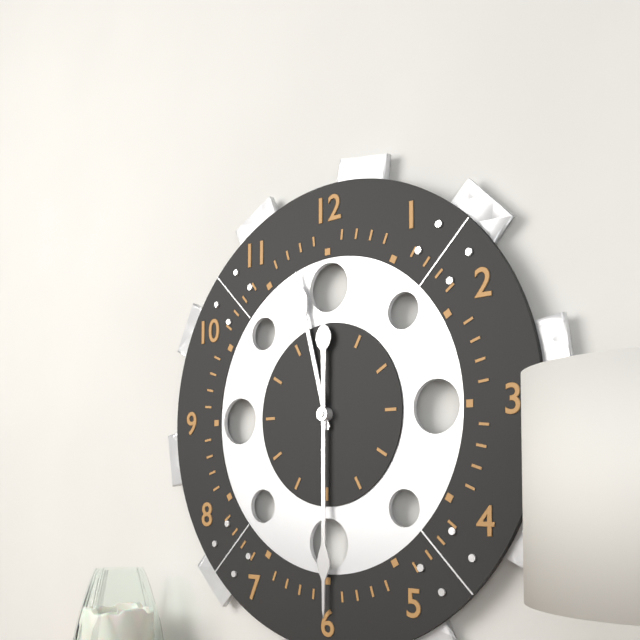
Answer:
11h30
